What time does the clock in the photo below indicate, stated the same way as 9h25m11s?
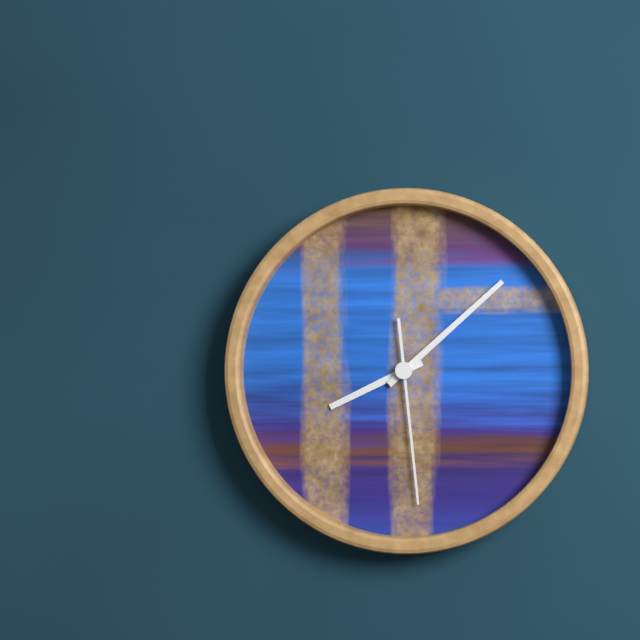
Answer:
8h08m29s
